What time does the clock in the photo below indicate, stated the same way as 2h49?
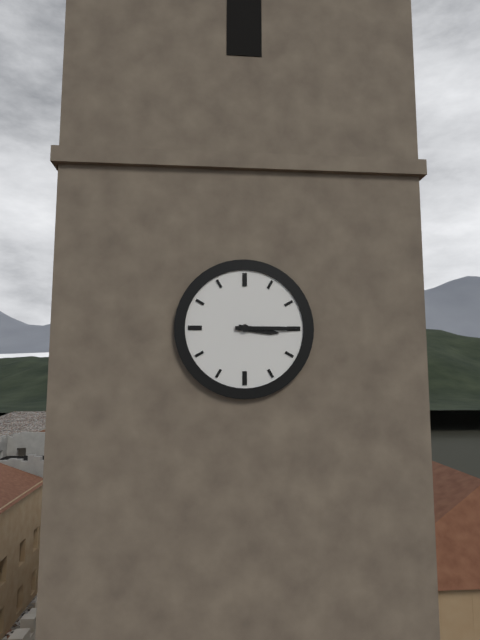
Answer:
3h15
